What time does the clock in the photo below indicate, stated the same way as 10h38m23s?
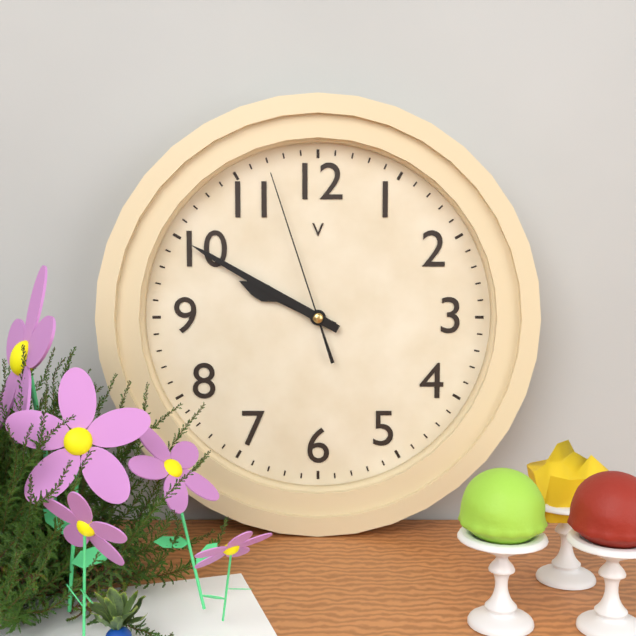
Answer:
9h50m57s
